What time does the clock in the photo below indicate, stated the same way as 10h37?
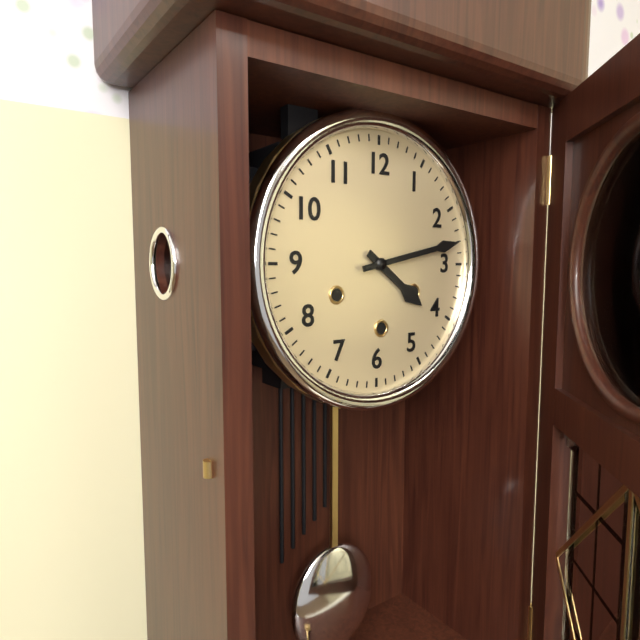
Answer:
4h13
